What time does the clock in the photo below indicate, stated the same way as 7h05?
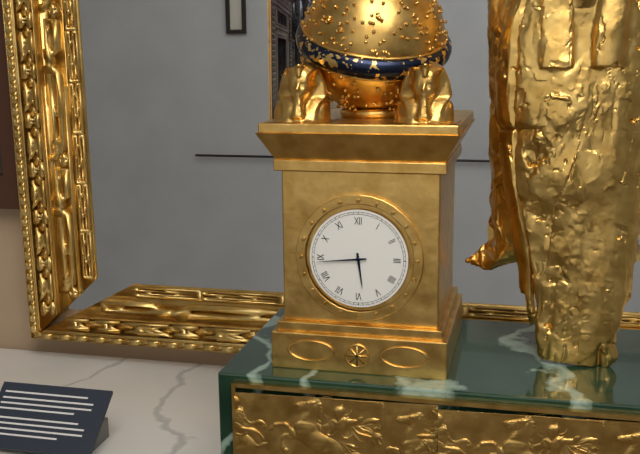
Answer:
5h44
